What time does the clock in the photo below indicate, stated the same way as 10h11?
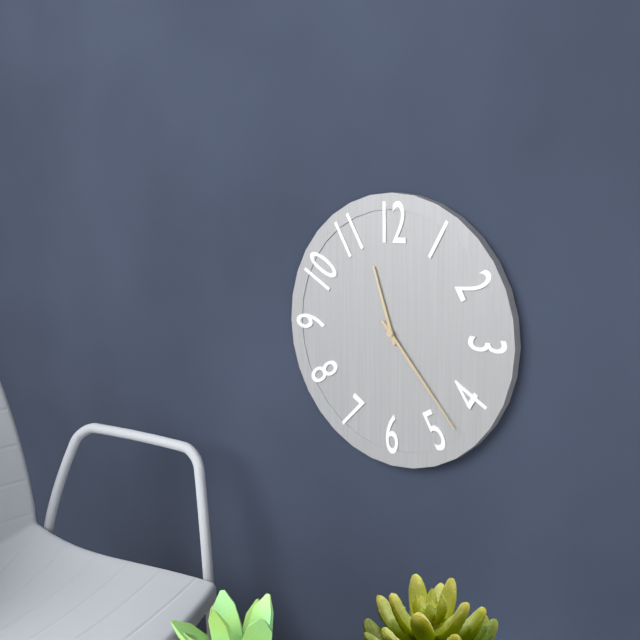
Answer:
11h23
